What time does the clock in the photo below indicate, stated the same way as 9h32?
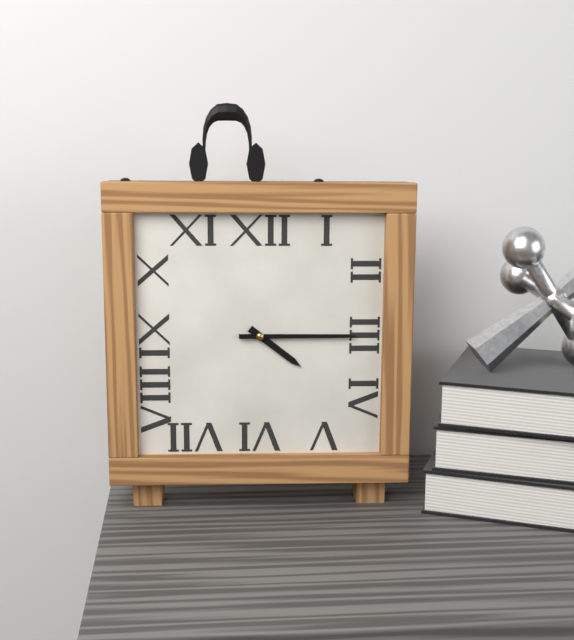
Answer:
4h15
